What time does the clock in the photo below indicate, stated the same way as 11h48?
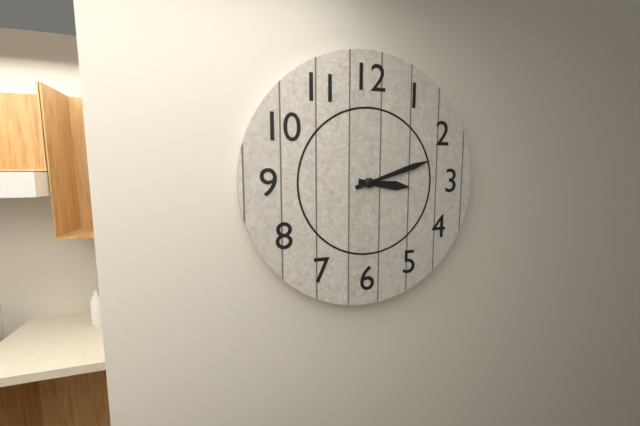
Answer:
3h12
